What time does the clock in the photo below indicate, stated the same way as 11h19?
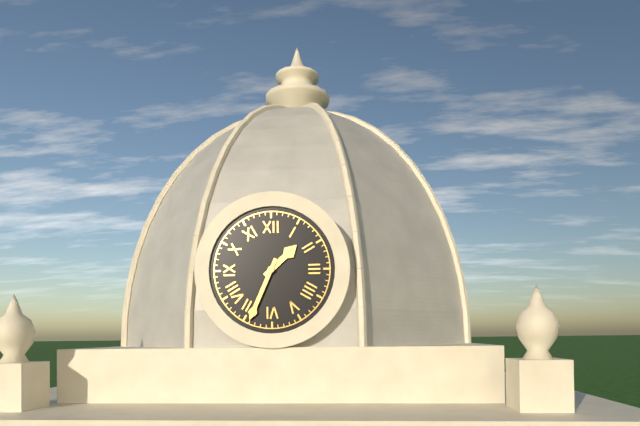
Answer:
1h34
